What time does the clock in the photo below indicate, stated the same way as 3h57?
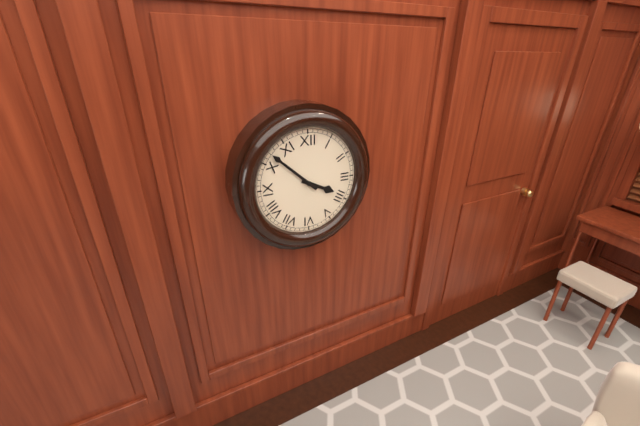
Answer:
3h52
